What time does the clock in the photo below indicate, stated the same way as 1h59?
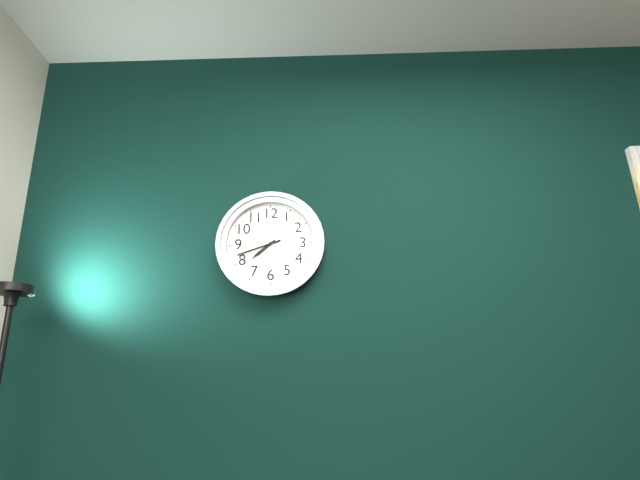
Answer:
7h42
